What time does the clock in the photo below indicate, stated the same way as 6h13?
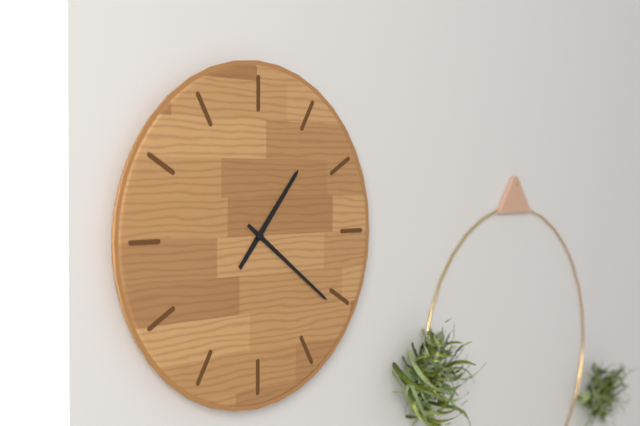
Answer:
1h21
